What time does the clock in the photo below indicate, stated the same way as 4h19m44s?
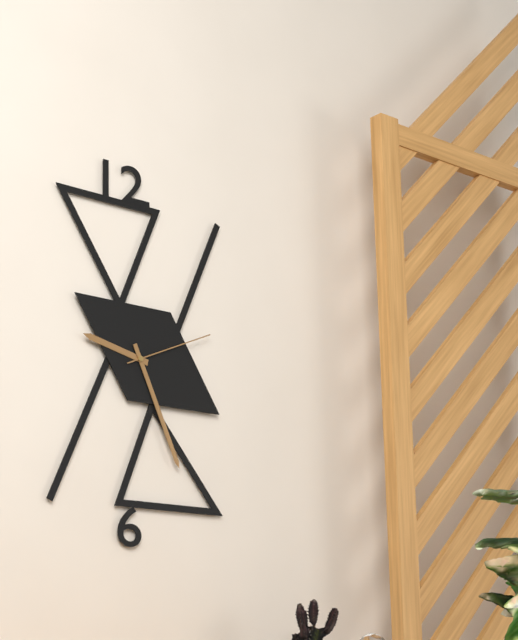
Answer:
9h26m11s
